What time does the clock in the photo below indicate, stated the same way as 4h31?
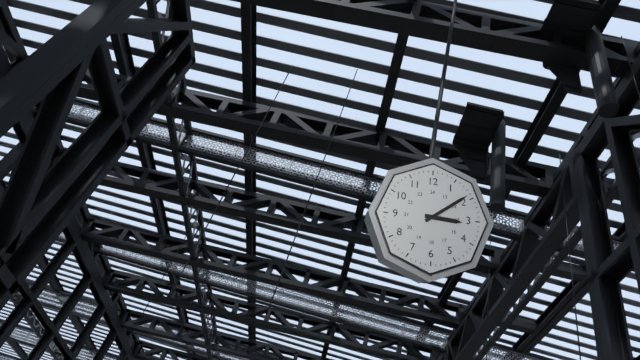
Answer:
3h09
